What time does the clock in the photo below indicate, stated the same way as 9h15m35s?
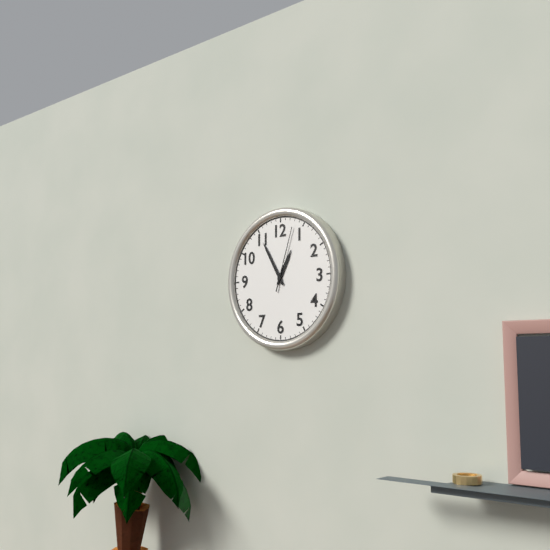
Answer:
12h55m03s
